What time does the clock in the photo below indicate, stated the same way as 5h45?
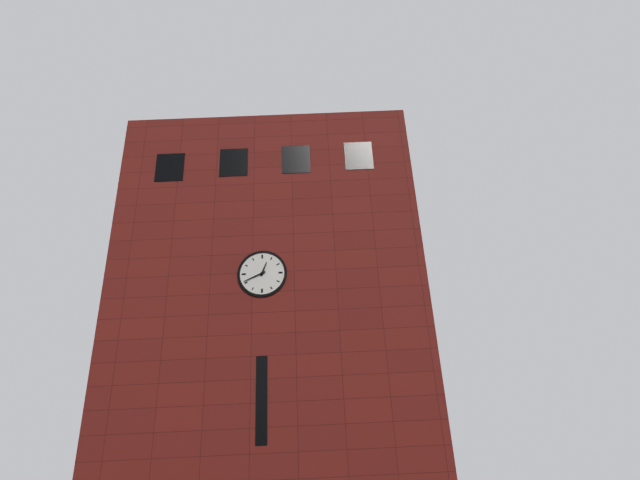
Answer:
12h41
